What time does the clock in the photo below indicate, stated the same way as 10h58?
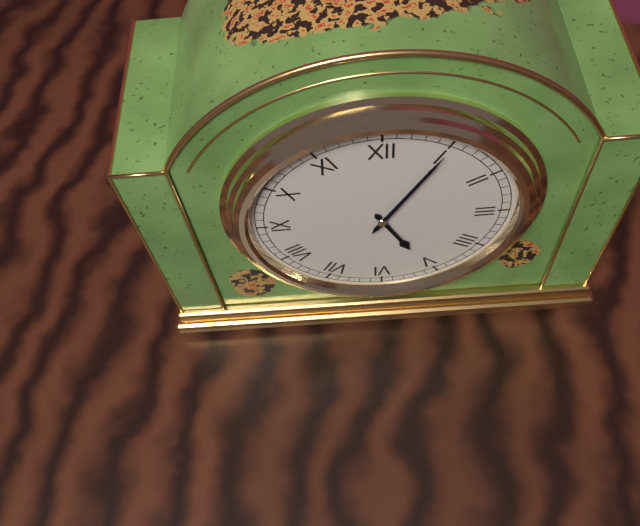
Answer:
5h05
